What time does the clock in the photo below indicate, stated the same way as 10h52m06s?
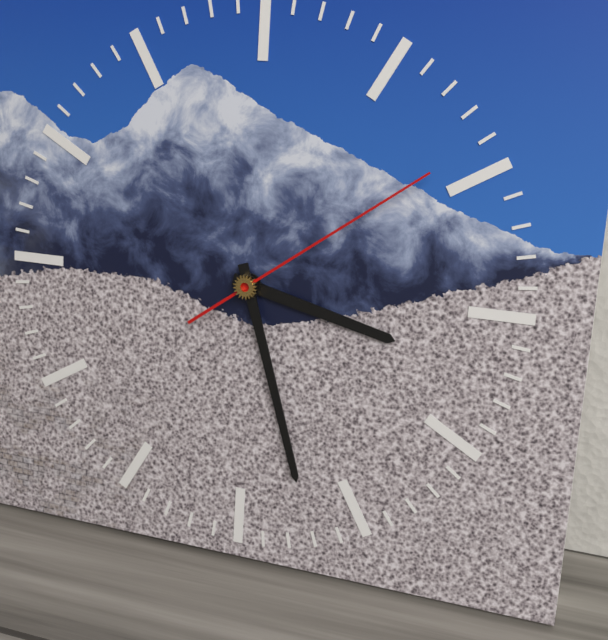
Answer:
3h27m09s
